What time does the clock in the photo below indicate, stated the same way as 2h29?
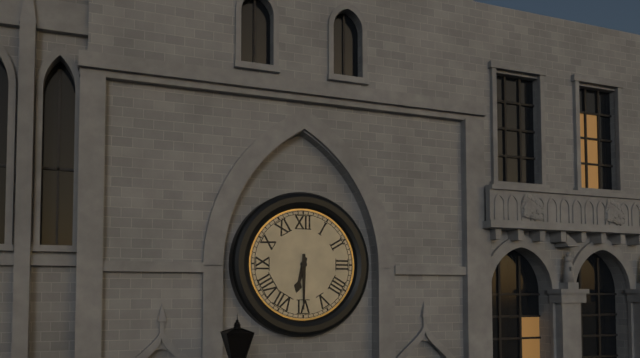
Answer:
6h30
